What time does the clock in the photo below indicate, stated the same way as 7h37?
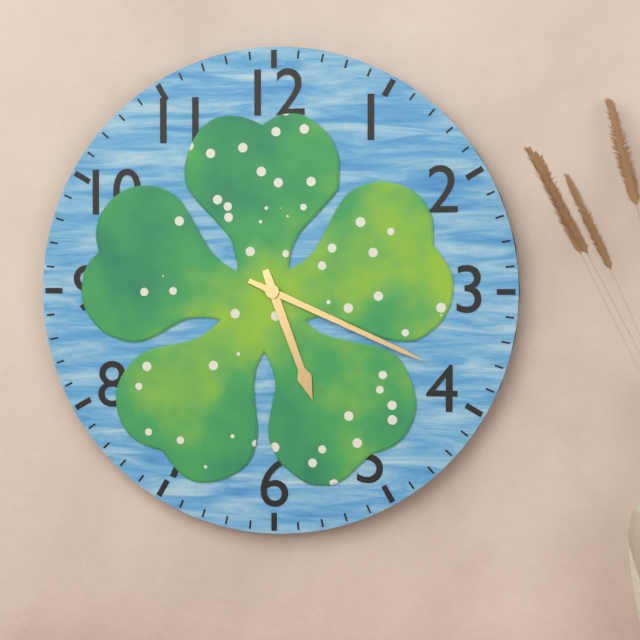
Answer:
5h19
